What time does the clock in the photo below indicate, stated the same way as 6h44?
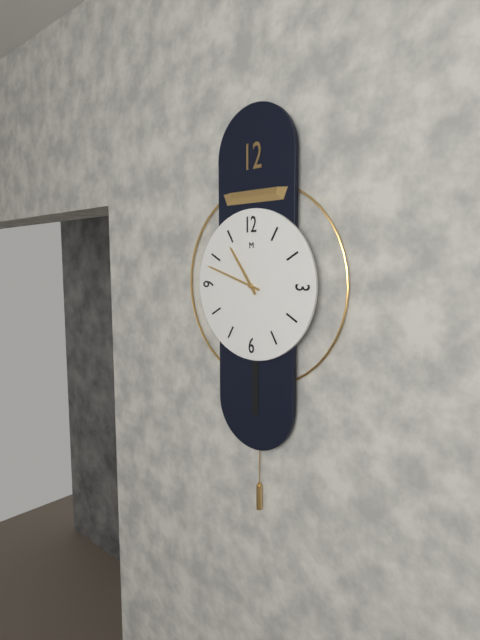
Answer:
10h48
